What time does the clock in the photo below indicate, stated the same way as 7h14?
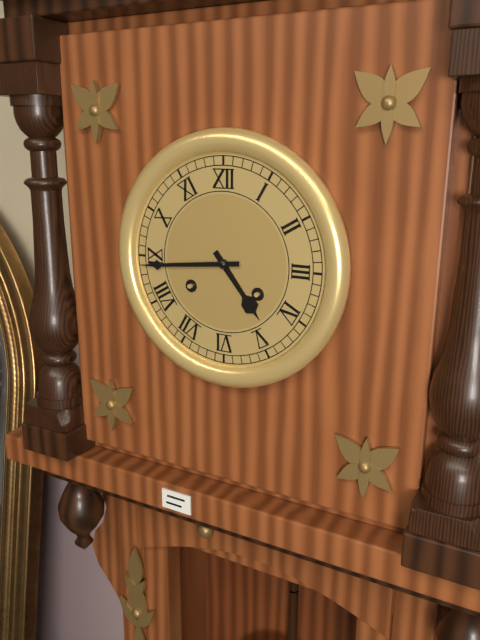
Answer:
4h44
